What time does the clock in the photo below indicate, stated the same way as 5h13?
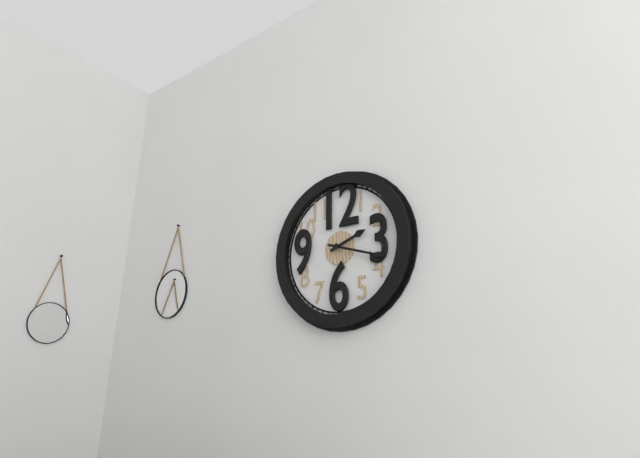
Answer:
2h18
